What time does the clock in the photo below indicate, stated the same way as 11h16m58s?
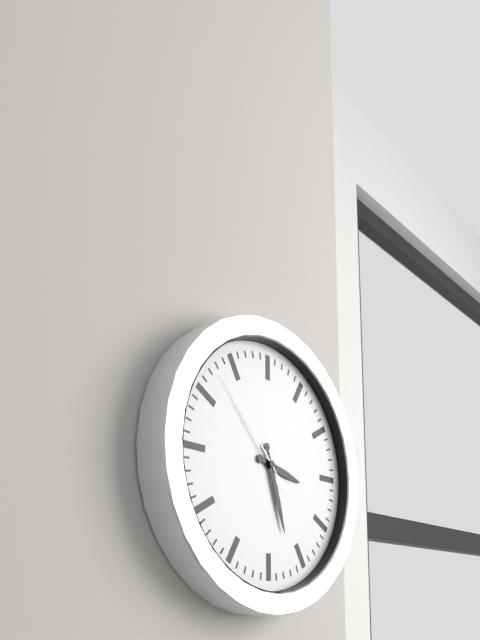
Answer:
3h27m53s
